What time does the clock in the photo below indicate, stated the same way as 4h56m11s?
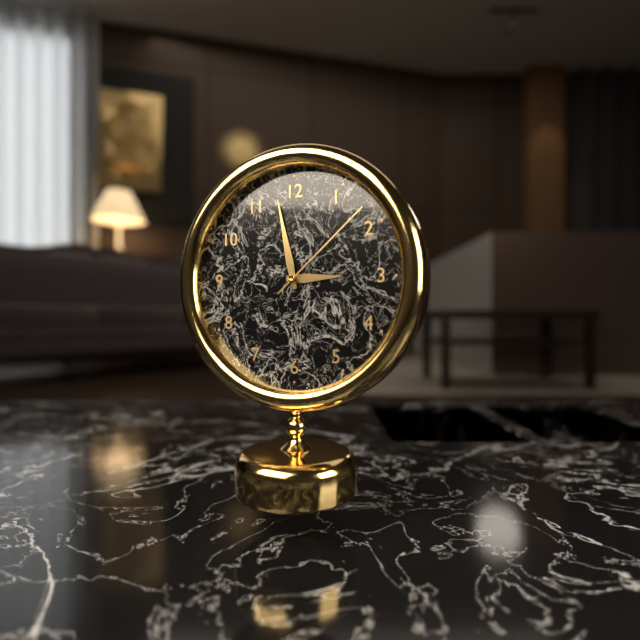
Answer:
2h58m08s
